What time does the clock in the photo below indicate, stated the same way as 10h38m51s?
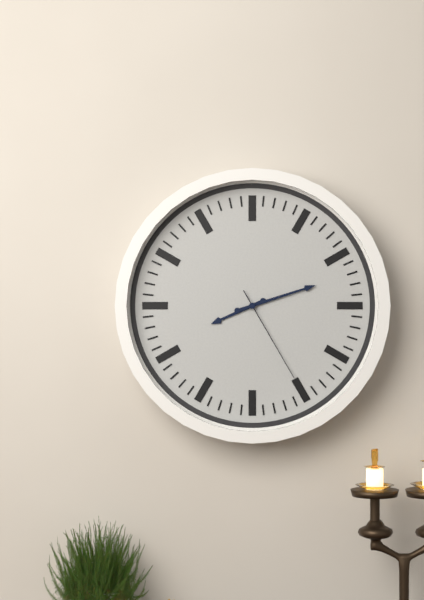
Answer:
8h12m25s
